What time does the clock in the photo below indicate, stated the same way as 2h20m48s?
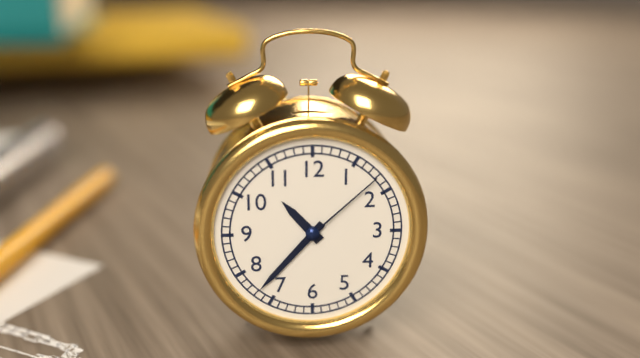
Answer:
10h37m08s
